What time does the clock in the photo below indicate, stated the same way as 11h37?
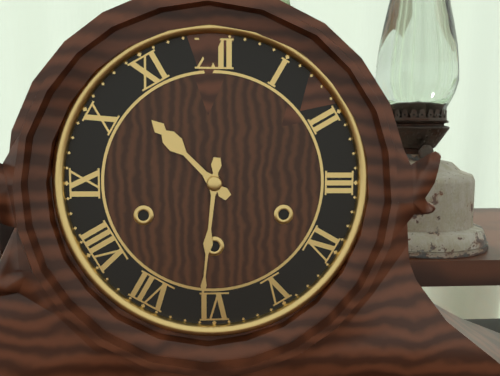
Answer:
10h31
